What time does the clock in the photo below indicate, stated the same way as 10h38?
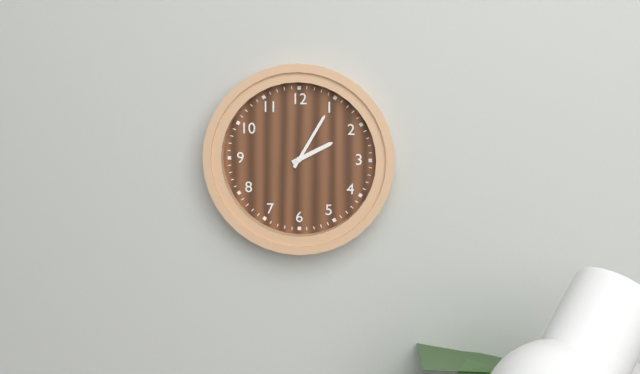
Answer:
2h05
